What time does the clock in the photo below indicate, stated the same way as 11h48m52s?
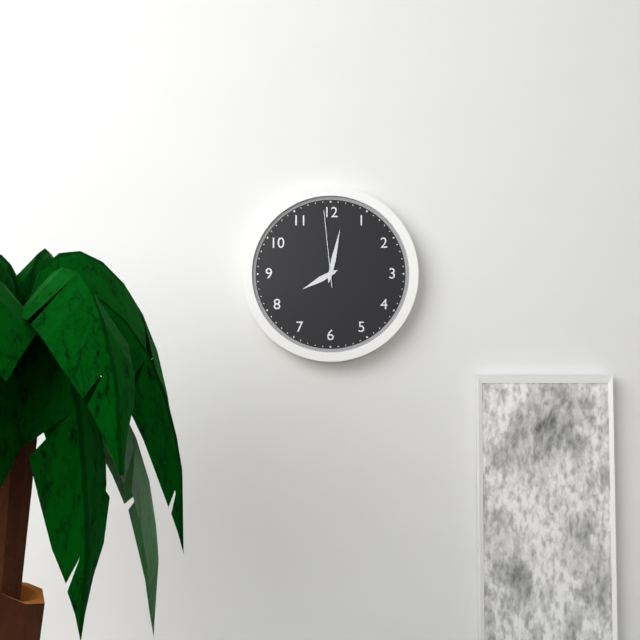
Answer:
8h02m59s
